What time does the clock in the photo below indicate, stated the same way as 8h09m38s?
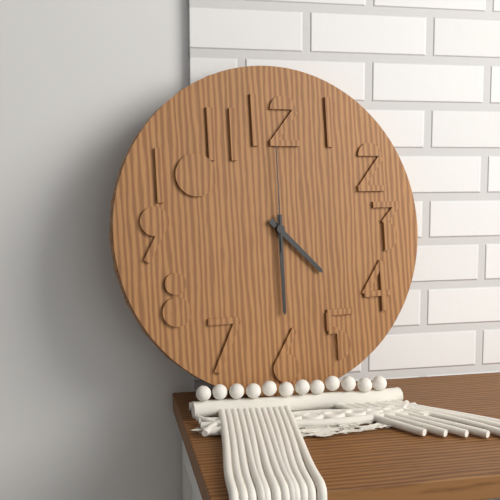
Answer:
4h30m00s
